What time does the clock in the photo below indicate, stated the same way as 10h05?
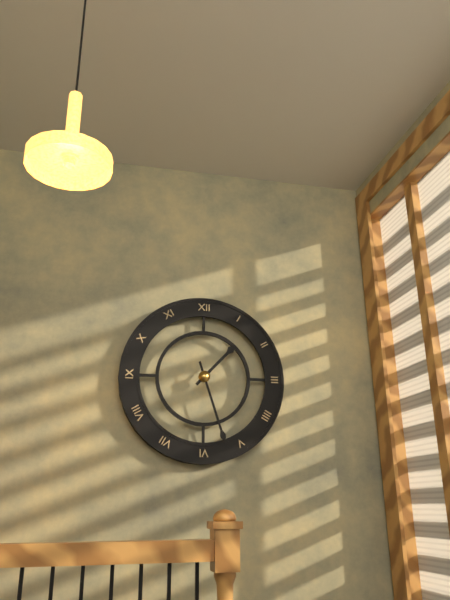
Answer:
1h27
